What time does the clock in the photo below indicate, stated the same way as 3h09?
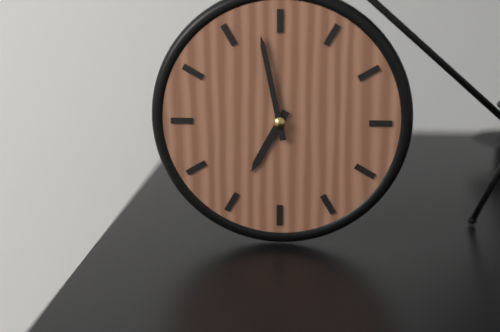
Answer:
6h58
